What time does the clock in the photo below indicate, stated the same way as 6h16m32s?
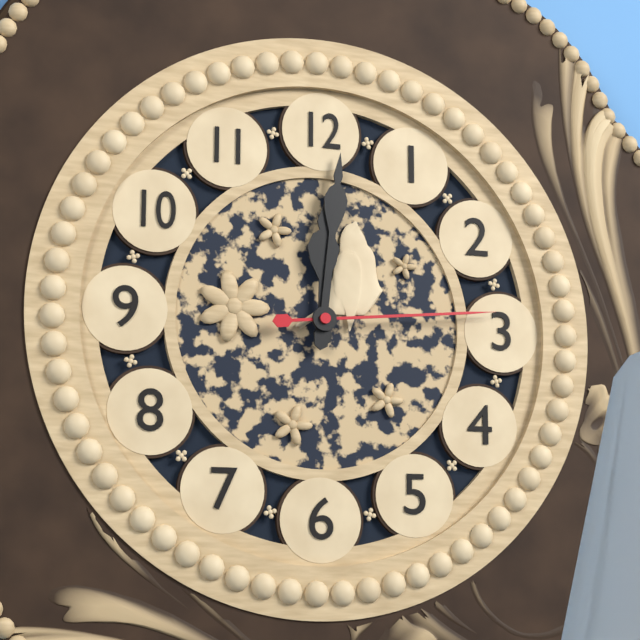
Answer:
12h01m14s
